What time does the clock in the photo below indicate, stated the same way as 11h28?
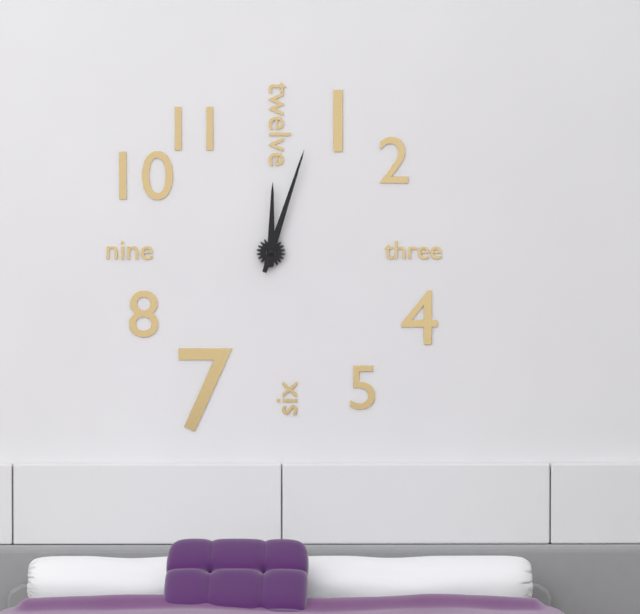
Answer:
12h03
